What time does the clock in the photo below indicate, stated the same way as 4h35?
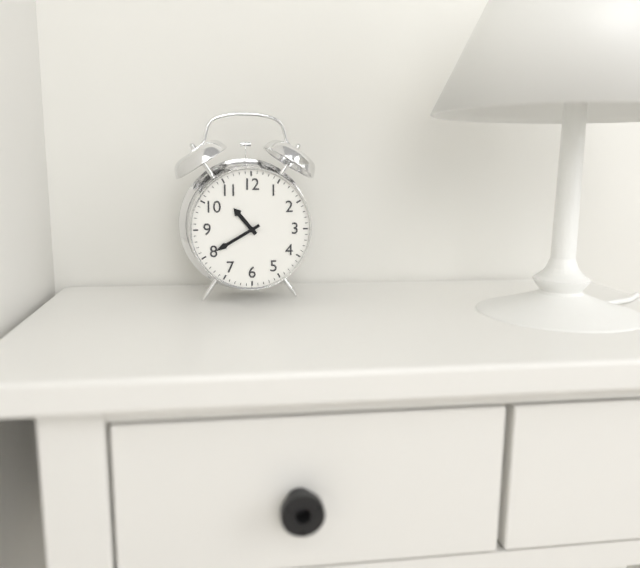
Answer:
10h40
